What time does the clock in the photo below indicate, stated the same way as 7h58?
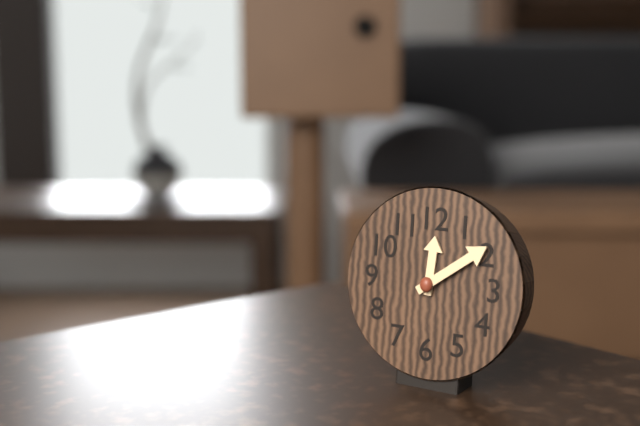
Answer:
12h09
